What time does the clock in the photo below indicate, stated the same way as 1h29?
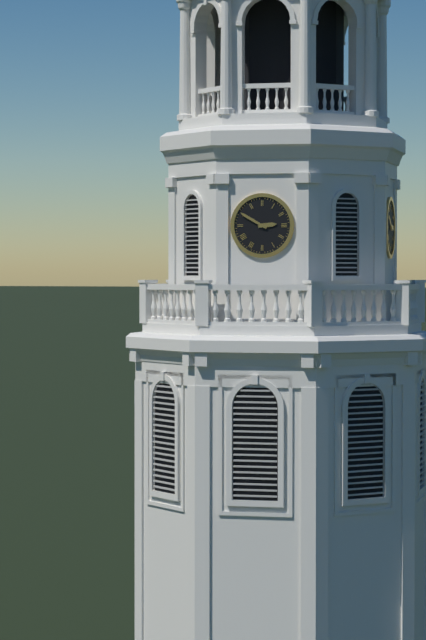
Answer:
2h50
